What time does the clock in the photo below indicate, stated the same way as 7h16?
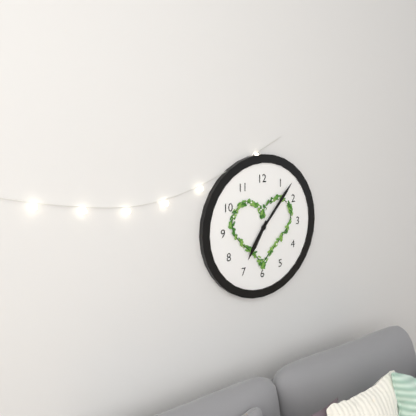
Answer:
7h07
